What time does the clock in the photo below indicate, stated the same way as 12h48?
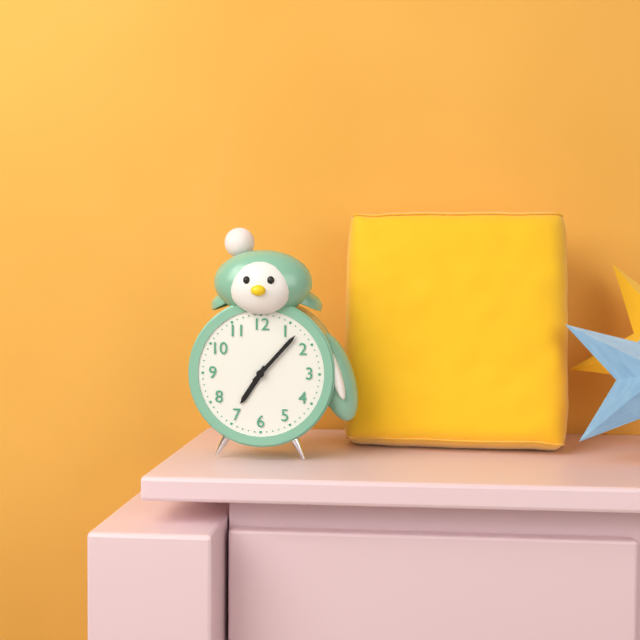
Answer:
7h07
